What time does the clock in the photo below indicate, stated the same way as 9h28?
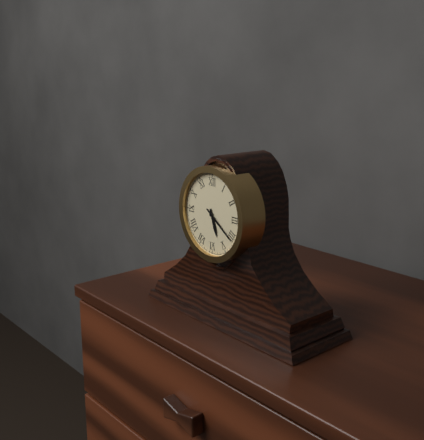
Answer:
5h21
